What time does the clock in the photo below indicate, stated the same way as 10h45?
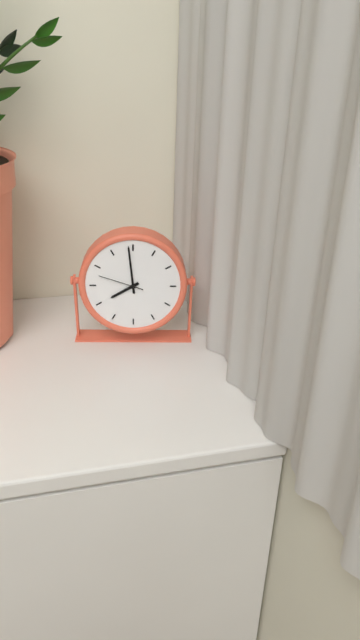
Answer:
7h59
